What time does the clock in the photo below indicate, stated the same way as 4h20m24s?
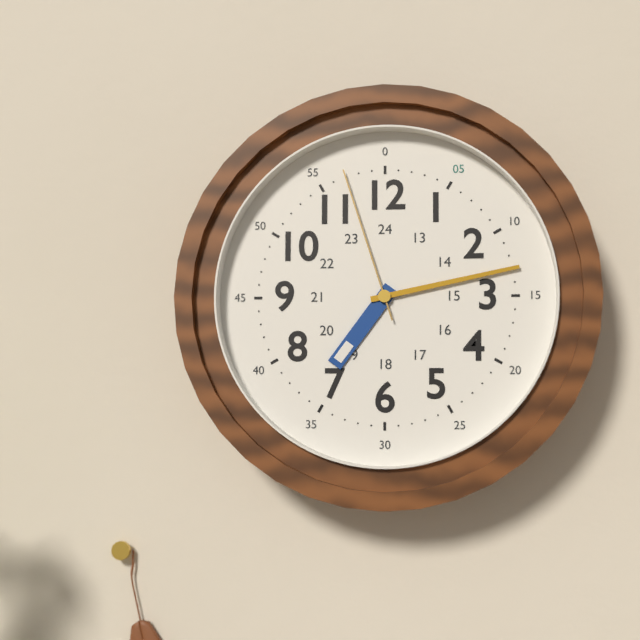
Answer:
7h13m57s
